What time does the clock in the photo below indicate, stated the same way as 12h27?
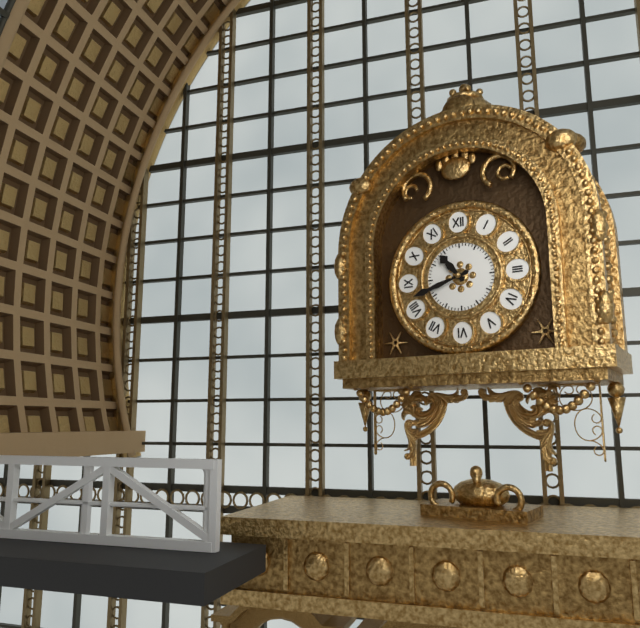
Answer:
10h42
